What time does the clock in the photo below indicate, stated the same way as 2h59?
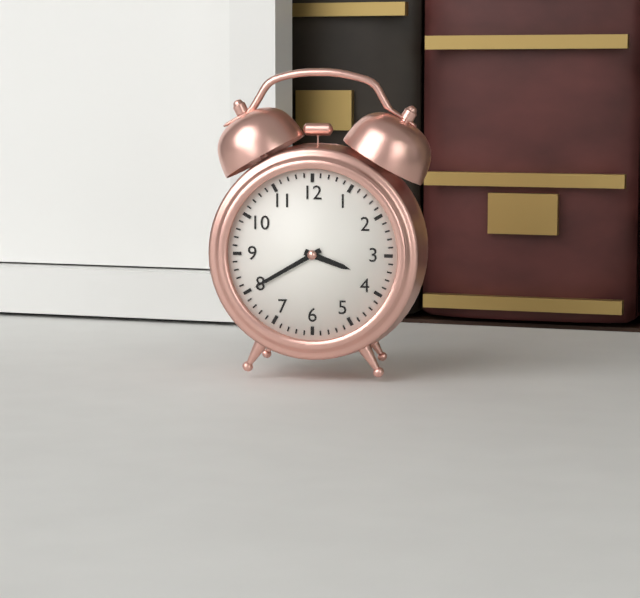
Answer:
3h40
